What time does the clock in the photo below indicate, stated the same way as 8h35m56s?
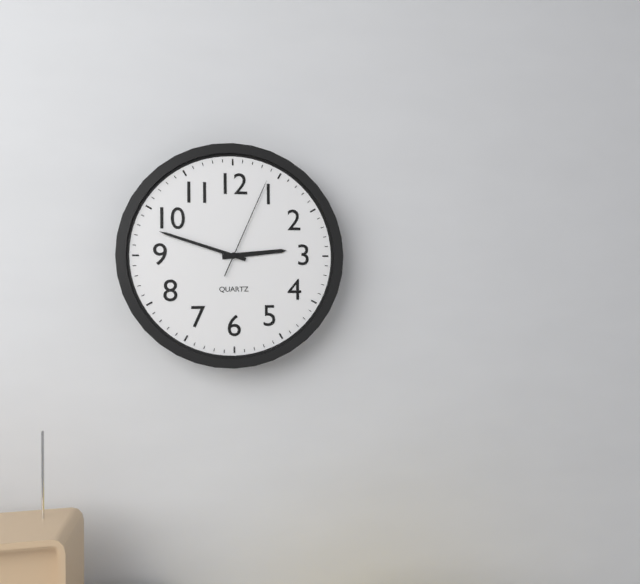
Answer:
2h48m04s
